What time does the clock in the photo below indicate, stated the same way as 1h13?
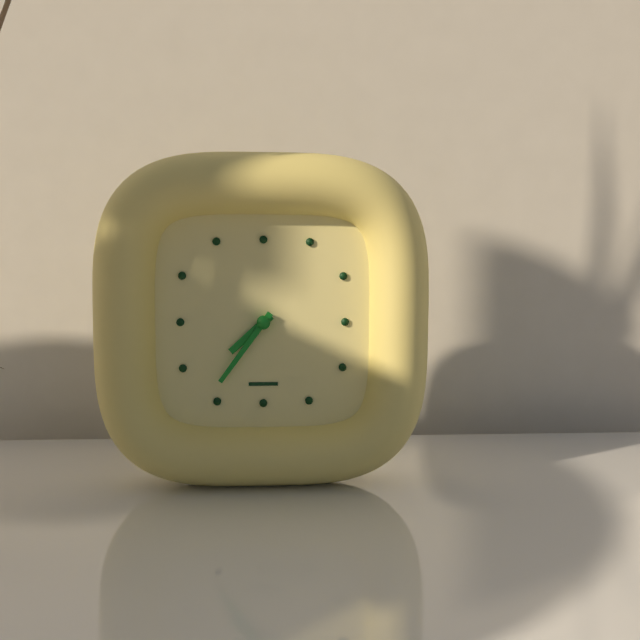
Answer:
7h36
